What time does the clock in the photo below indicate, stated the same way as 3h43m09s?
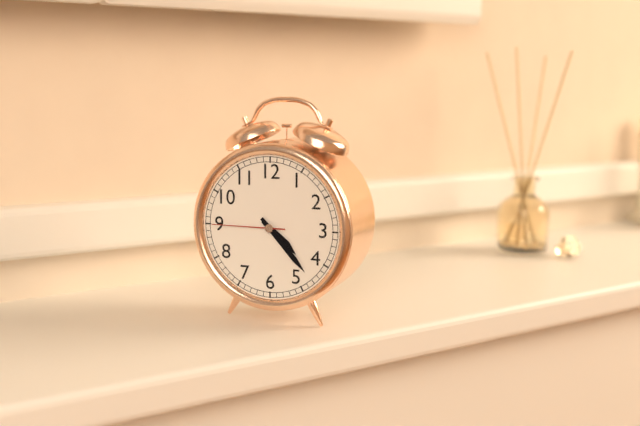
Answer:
4h23m45s
